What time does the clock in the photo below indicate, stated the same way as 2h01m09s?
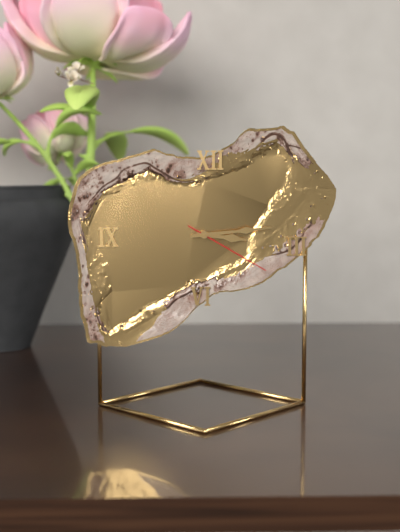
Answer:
3h14m20s
